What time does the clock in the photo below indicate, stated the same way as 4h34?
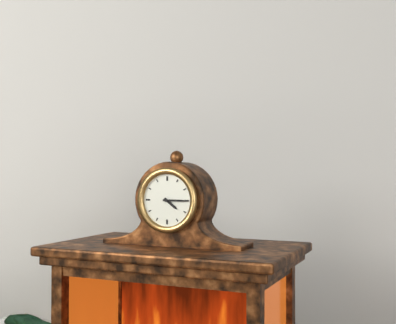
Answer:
4h15
